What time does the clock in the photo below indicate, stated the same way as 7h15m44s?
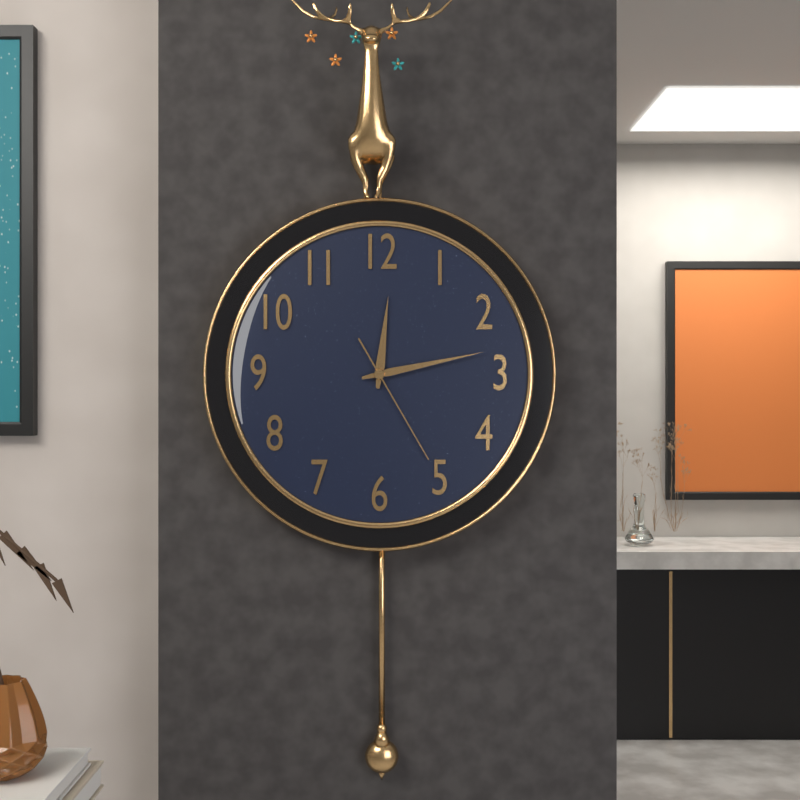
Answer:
12h13m25s
